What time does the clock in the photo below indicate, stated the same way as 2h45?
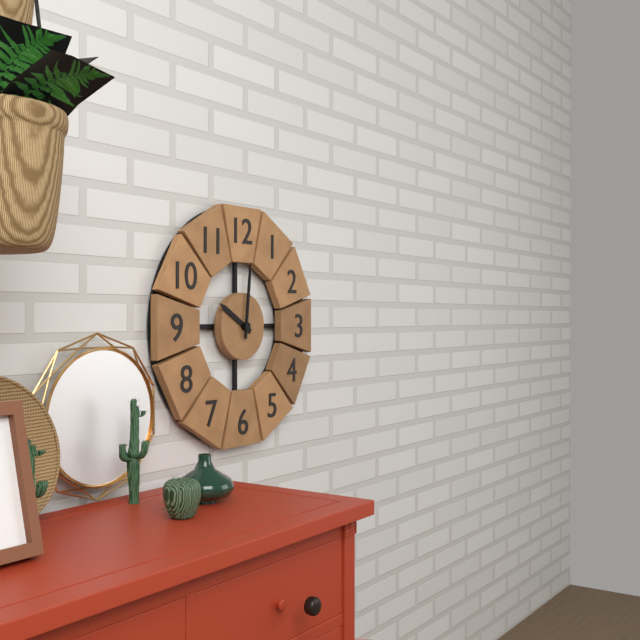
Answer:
10h01
